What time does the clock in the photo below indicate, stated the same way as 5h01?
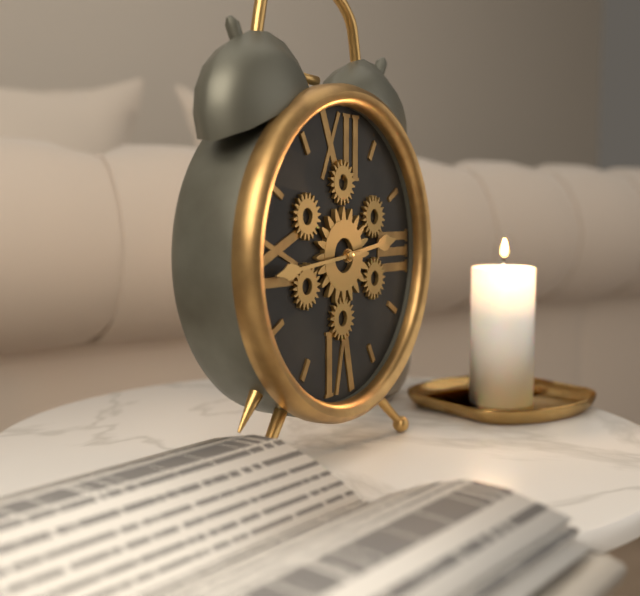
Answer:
2h44
